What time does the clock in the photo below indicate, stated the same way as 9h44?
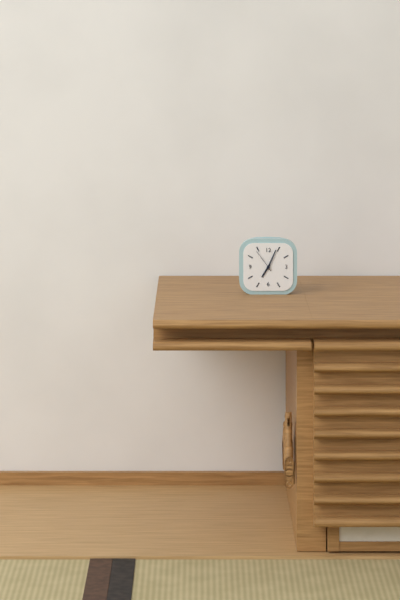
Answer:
7h04
